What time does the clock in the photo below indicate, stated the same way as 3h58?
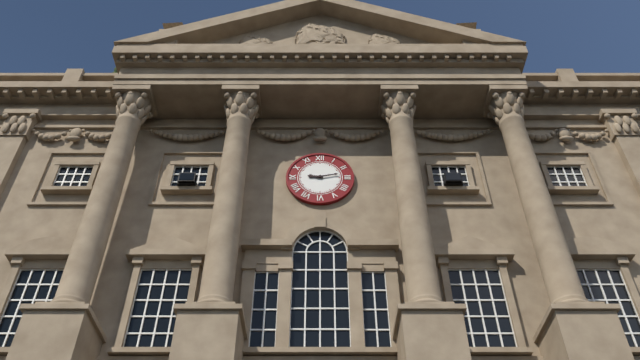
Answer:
9h13
